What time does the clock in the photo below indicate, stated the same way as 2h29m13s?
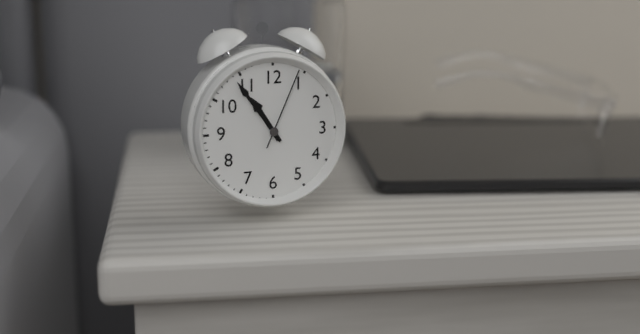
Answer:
10h54m04s
